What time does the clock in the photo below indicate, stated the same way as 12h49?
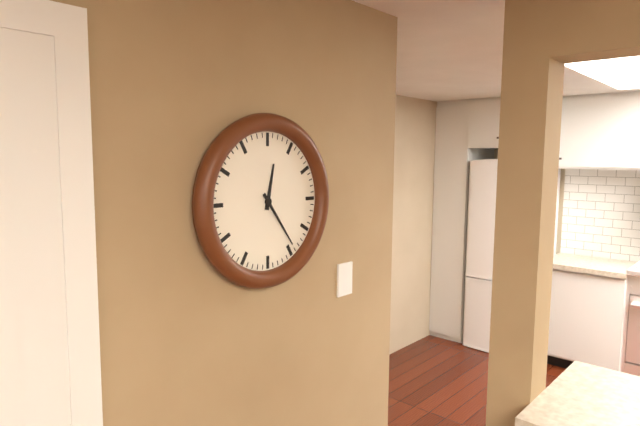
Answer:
12h24
